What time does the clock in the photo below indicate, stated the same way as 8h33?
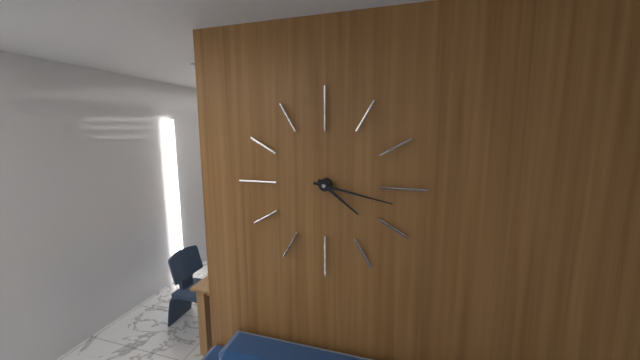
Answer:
4h17
